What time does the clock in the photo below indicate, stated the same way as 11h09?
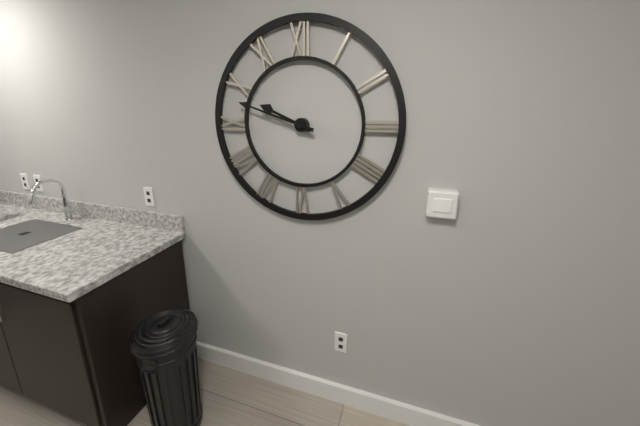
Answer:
9h48
